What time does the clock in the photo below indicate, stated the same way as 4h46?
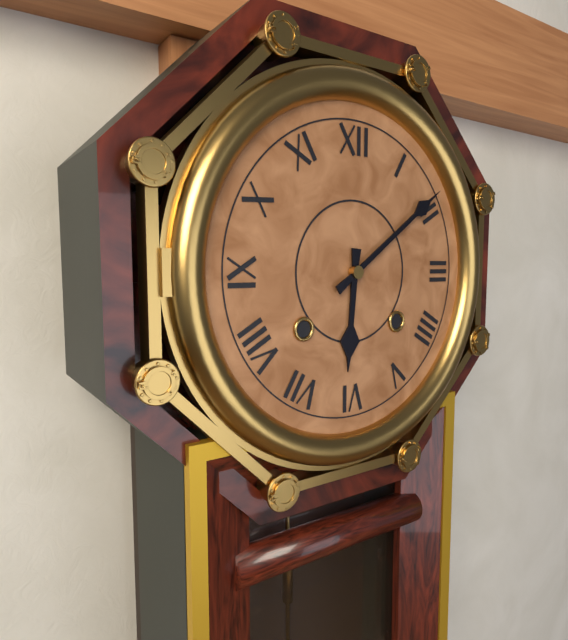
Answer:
6h09
